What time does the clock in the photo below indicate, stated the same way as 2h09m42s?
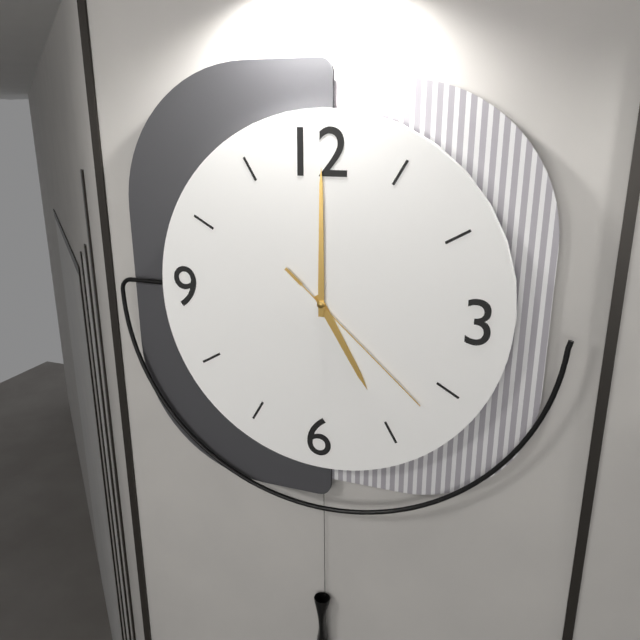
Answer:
5h00m22s
